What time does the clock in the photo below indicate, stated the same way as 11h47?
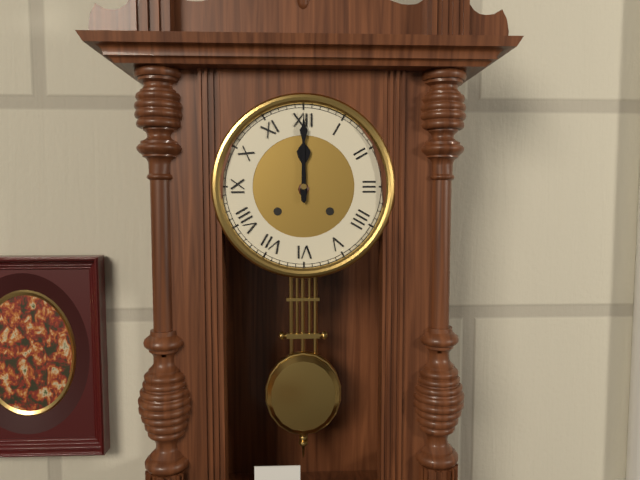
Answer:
12h00
